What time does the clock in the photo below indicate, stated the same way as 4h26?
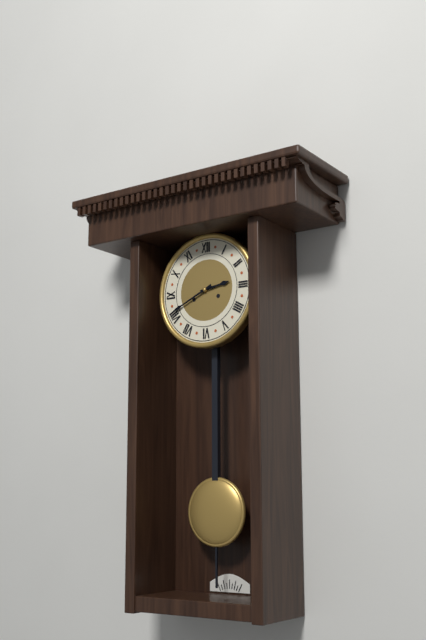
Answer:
2h41
